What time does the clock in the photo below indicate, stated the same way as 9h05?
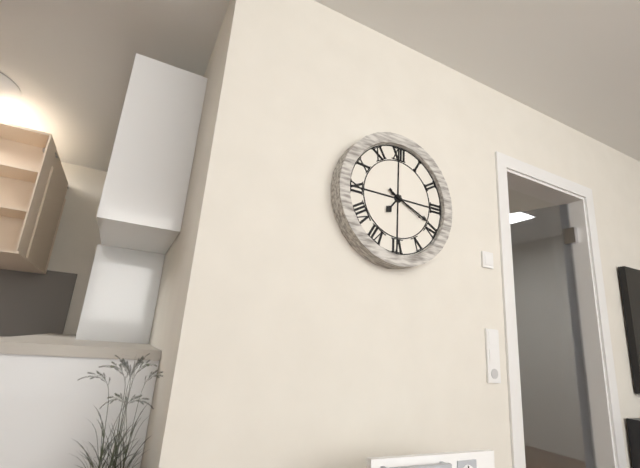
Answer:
7h19
